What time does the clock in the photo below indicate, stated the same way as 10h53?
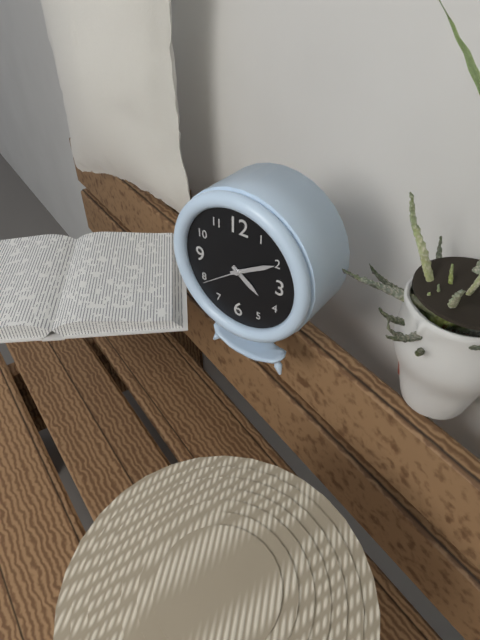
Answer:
4h10
